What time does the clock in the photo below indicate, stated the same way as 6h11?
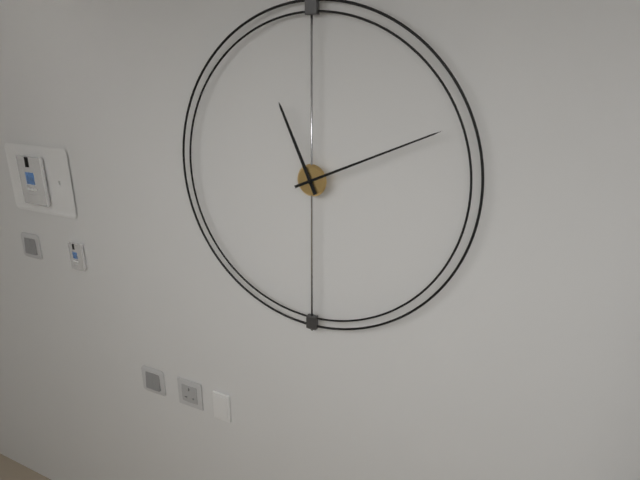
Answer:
11h11
